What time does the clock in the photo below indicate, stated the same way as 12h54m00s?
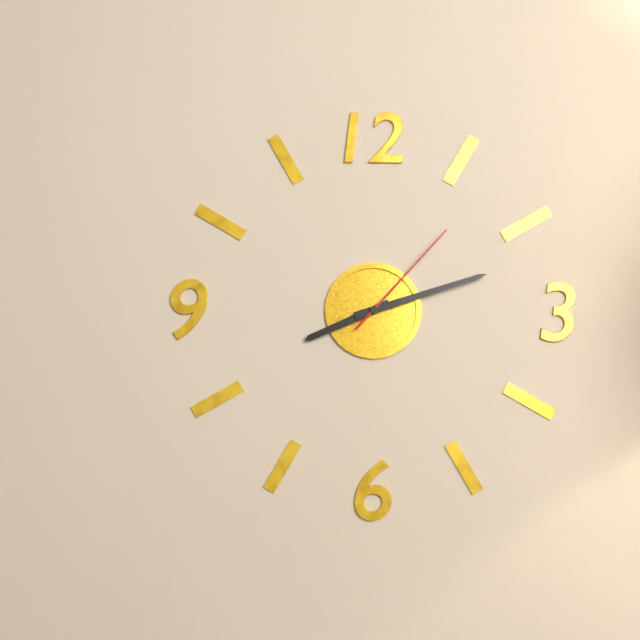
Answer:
8h12m07s
